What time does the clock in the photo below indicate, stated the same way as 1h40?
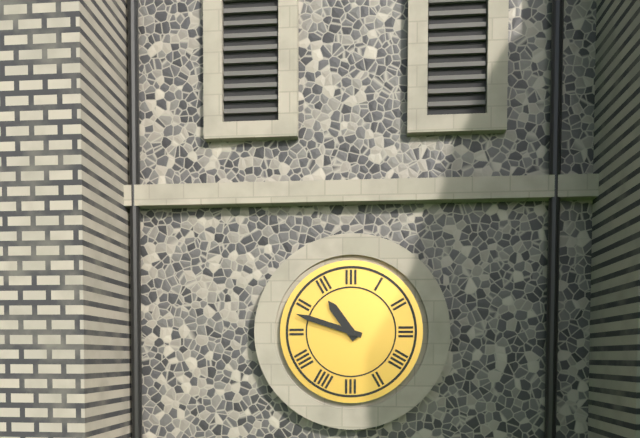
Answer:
10h48
